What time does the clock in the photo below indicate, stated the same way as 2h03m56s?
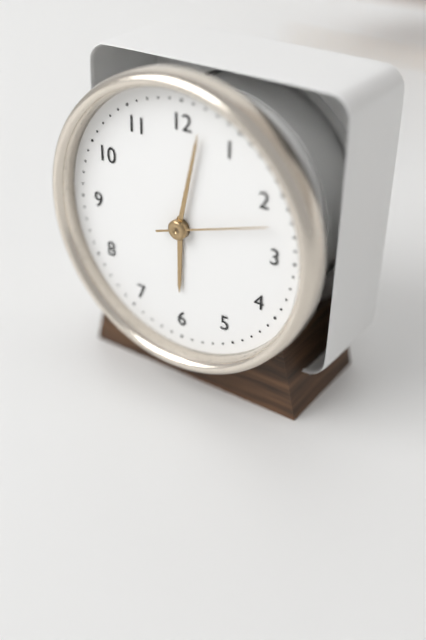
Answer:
6h02m12s
